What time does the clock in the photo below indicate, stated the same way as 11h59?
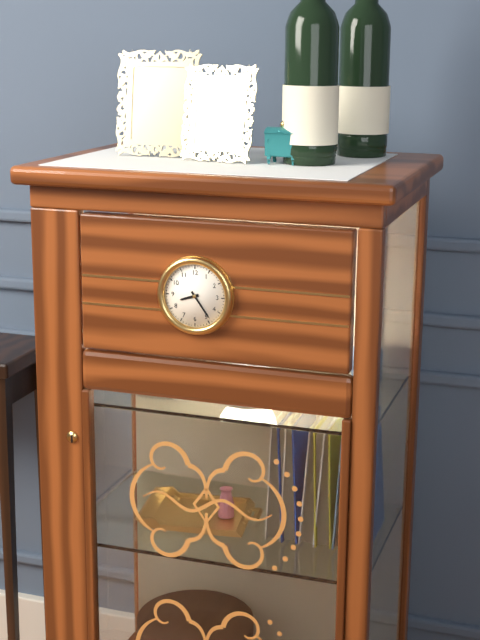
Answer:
8h24
